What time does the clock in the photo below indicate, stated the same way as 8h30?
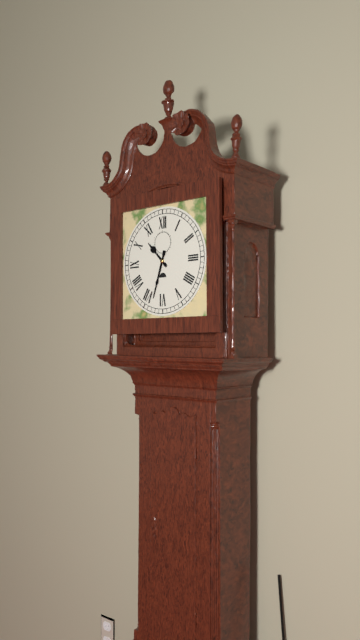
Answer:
10h33
